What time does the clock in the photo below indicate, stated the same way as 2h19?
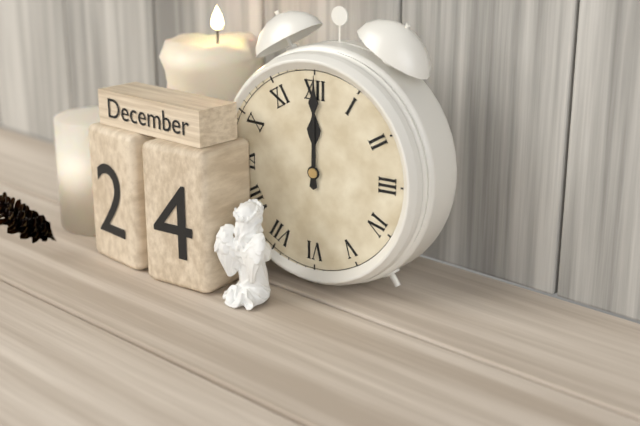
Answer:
12h00
